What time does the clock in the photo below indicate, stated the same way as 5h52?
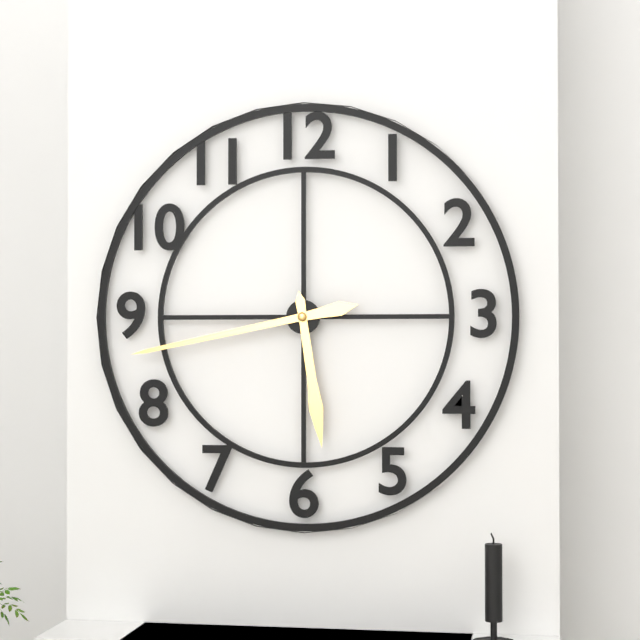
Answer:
5h43
